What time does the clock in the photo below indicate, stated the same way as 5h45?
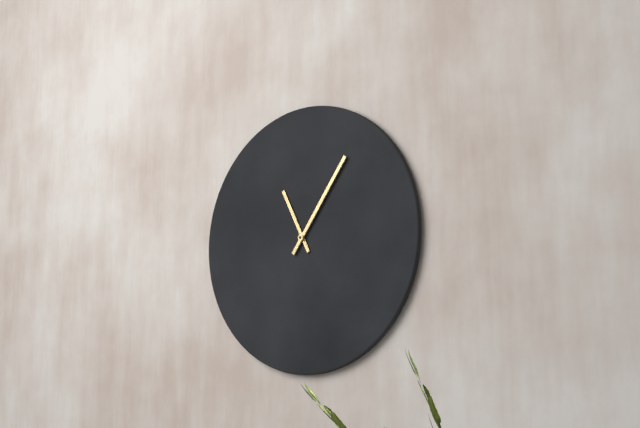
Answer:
11h06
